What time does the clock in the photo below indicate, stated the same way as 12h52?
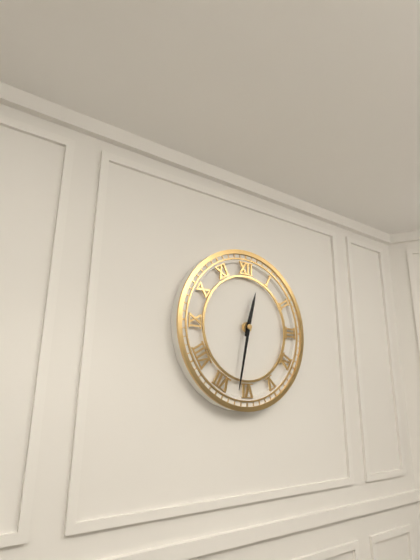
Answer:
12h32
